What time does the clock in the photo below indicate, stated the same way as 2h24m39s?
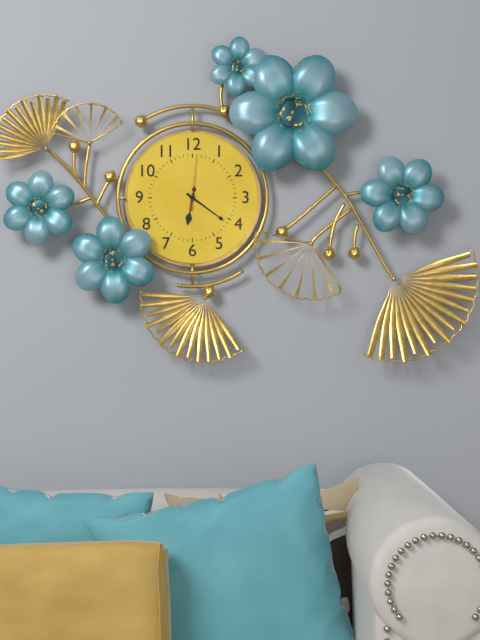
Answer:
6h21m01s
